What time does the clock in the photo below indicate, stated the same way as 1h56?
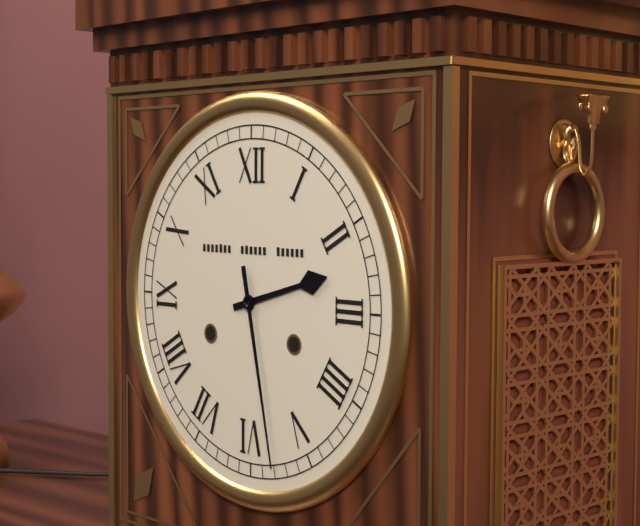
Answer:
2h28
